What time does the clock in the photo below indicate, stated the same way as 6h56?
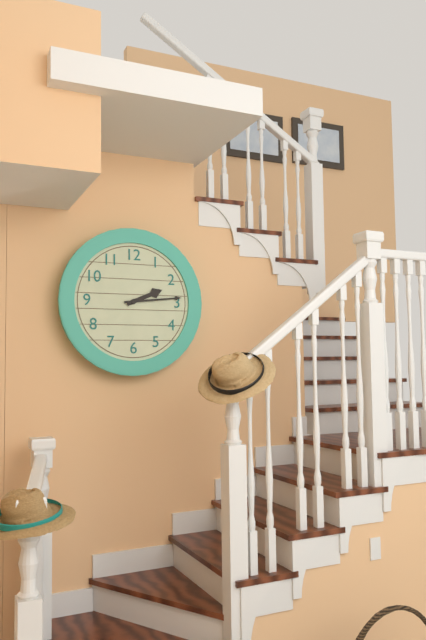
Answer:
2h14
